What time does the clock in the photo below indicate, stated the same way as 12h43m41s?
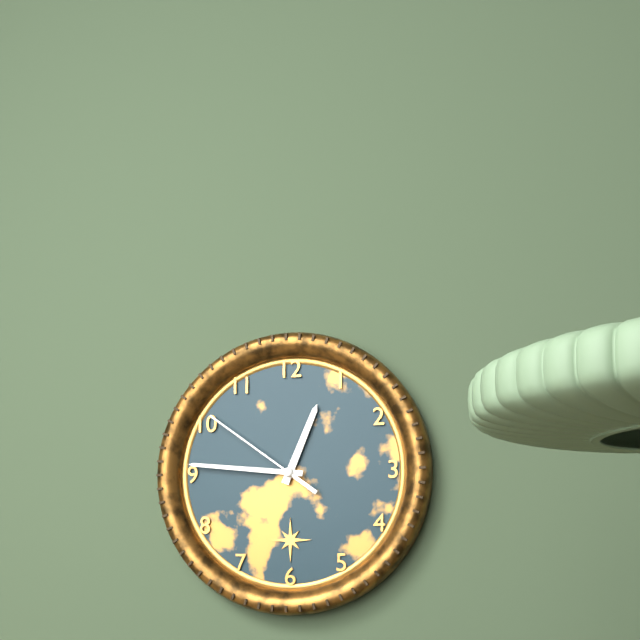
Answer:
12h46m51s
